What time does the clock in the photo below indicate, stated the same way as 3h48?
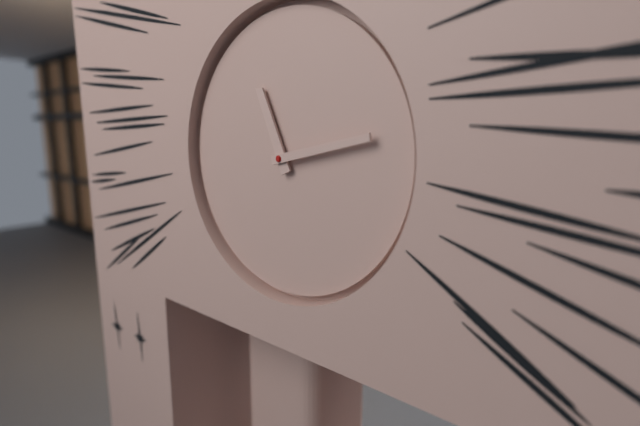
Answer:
11h13
